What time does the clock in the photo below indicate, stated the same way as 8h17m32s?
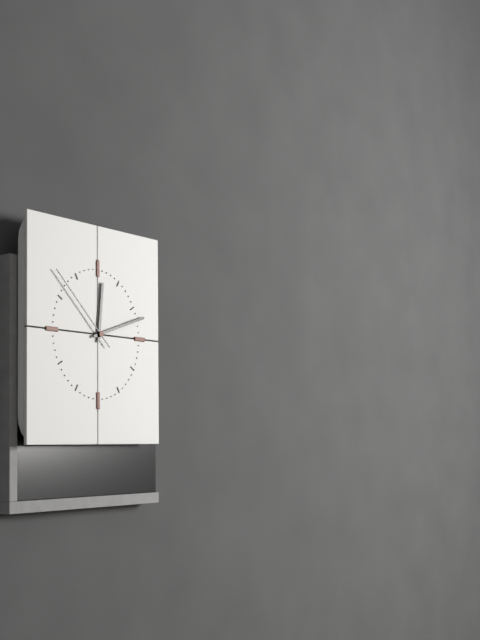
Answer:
12h12m52s
